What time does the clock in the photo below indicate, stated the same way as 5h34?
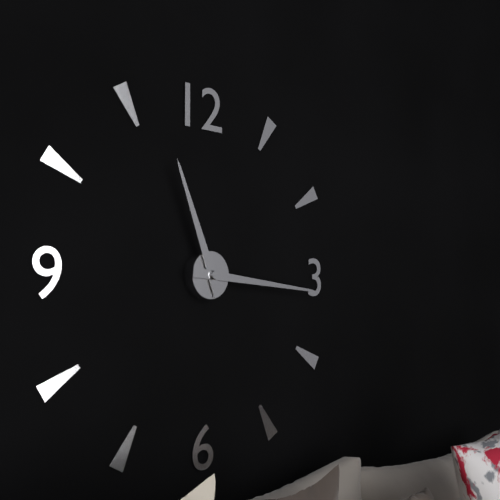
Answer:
11h16
